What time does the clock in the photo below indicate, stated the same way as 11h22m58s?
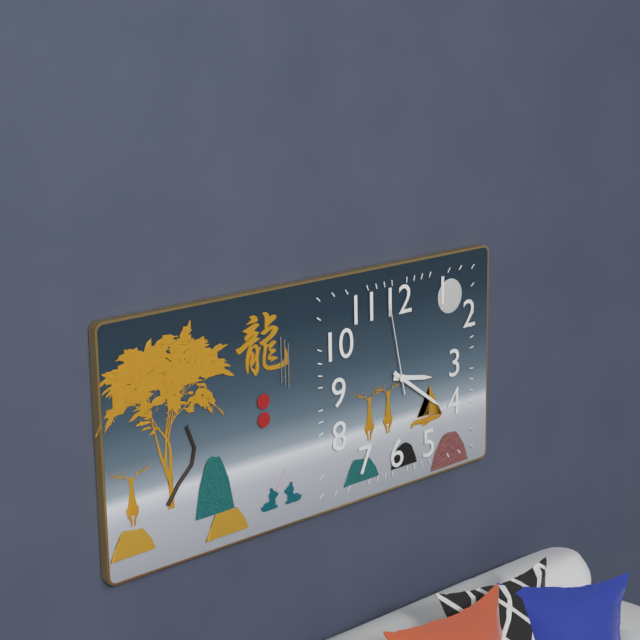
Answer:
3h21m58s
